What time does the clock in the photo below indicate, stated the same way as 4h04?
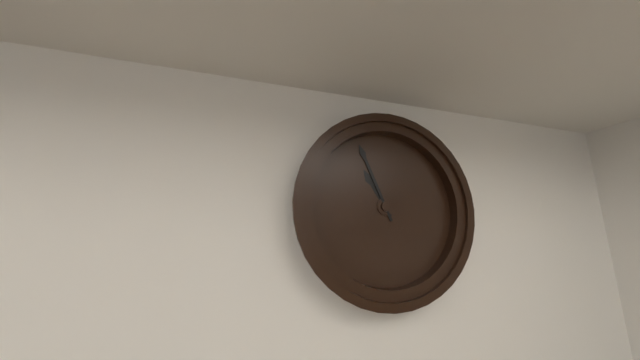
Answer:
10h56
